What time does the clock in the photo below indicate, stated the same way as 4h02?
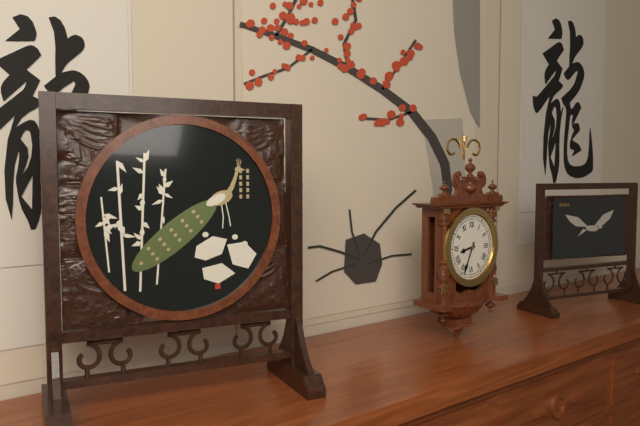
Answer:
8h34
